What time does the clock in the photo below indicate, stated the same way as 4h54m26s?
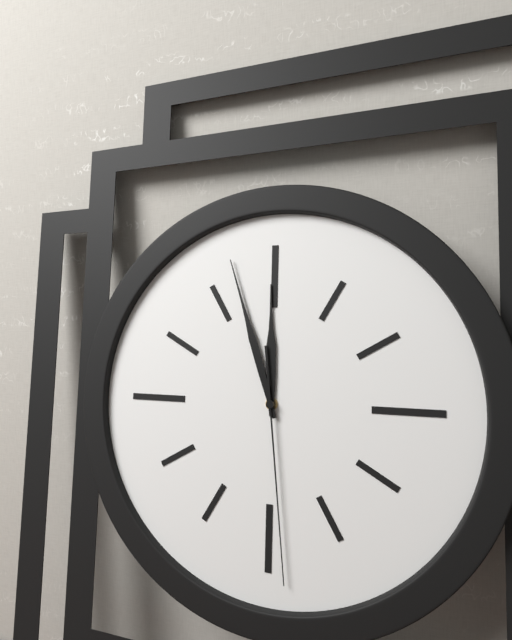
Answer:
11h57m29s
